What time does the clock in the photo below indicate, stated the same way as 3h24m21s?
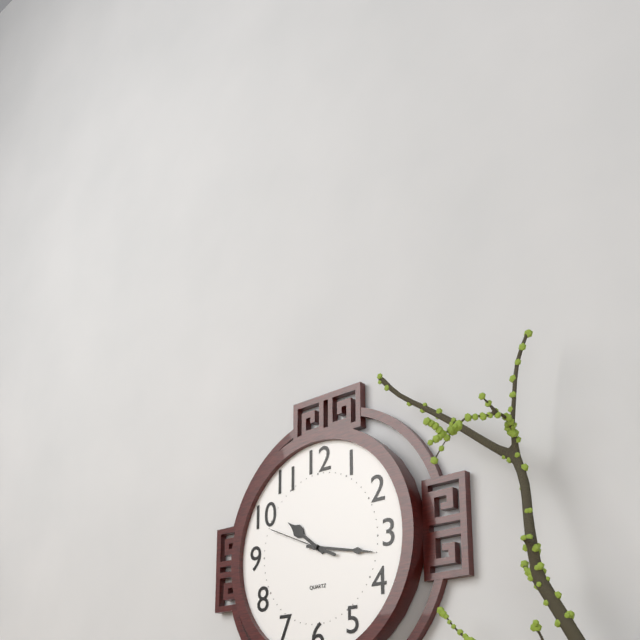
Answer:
10h17m49s
